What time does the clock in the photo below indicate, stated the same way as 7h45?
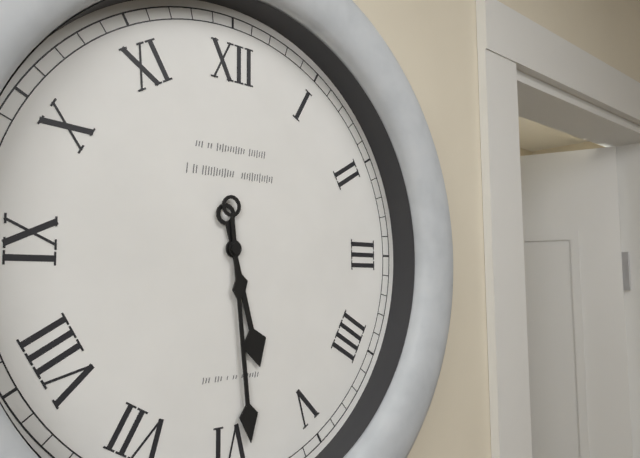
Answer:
5h29
